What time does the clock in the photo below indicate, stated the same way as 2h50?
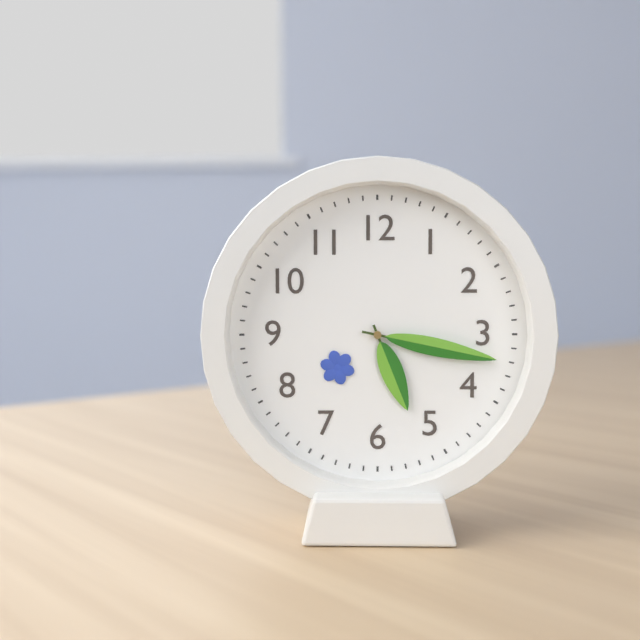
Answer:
5h17
